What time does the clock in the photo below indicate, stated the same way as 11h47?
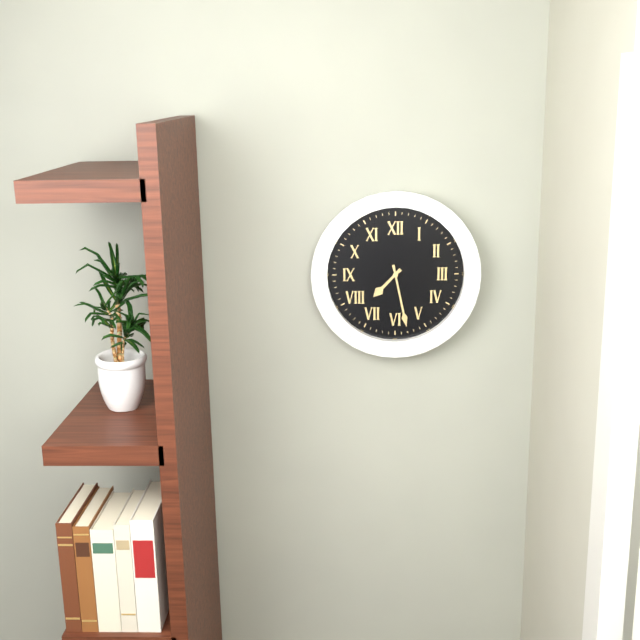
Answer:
7h28
